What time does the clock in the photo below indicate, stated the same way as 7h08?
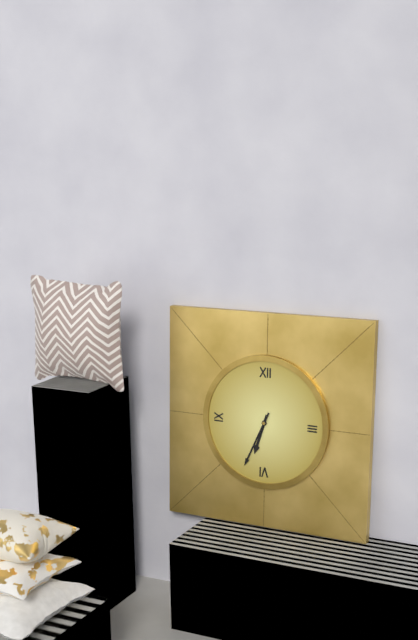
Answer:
6h34
